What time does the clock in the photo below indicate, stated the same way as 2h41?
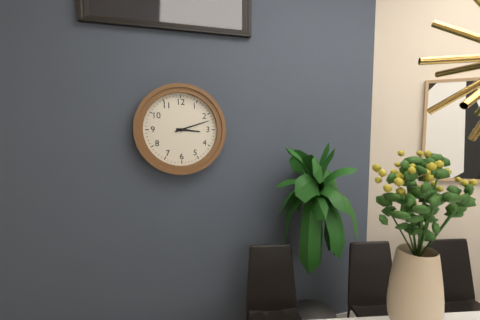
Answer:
3h12
